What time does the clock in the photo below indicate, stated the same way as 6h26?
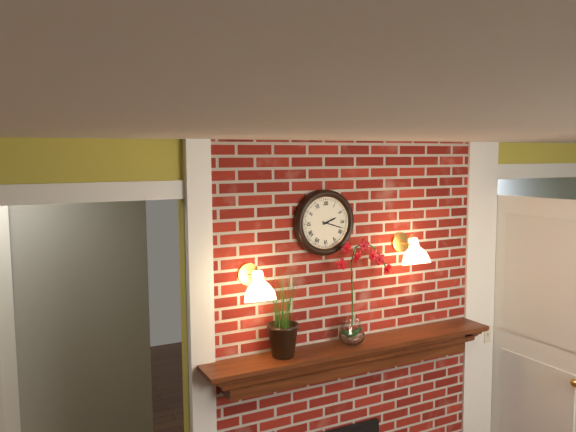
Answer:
2h18
